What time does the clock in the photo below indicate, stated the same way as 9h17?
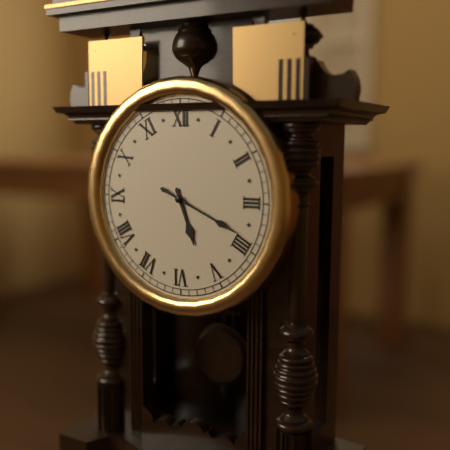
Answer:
5h19
